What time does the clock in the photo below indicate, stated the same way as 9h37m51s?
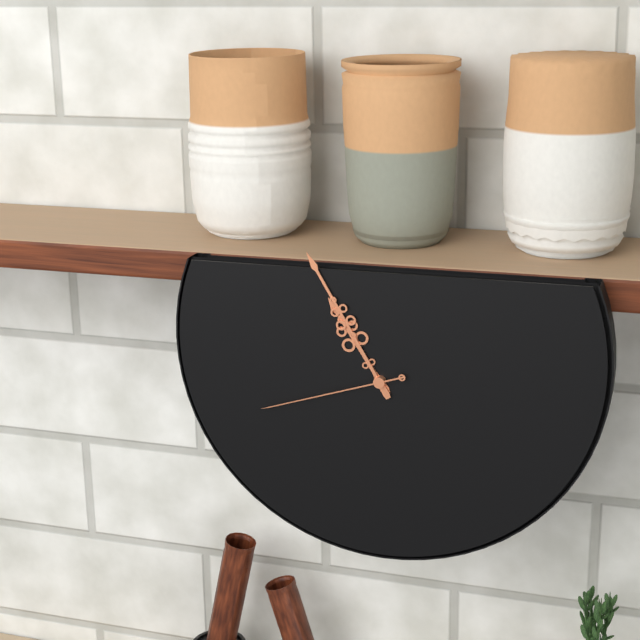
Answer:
10h55m42s
